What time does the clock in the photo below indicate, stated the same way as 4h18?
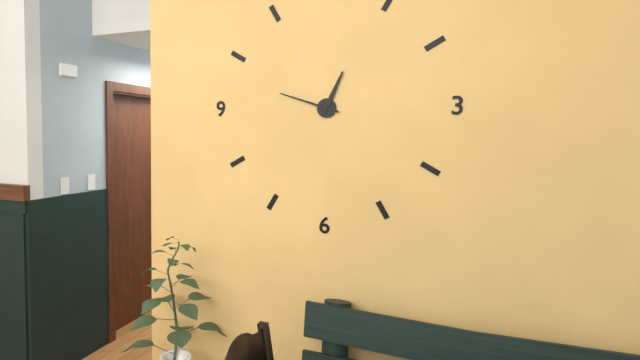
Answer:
12h48
